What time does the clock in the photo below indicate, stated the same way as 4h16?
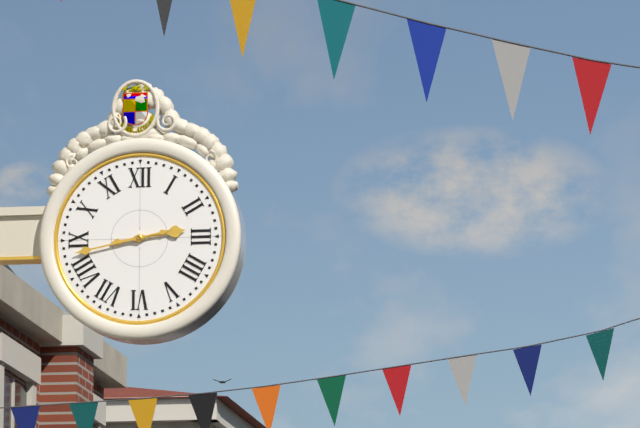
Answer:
2h43
